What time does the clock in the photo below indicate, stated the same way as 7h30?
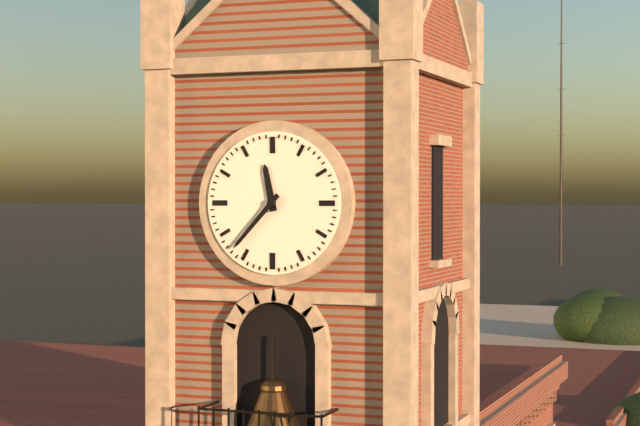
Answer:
11h37
